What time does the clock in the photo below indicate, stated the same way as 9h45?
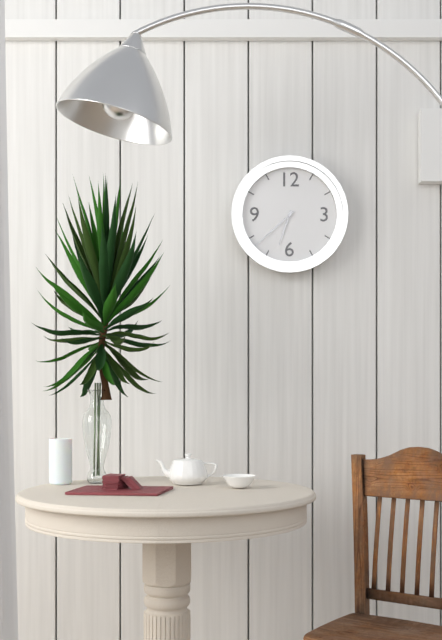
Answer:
6h38
